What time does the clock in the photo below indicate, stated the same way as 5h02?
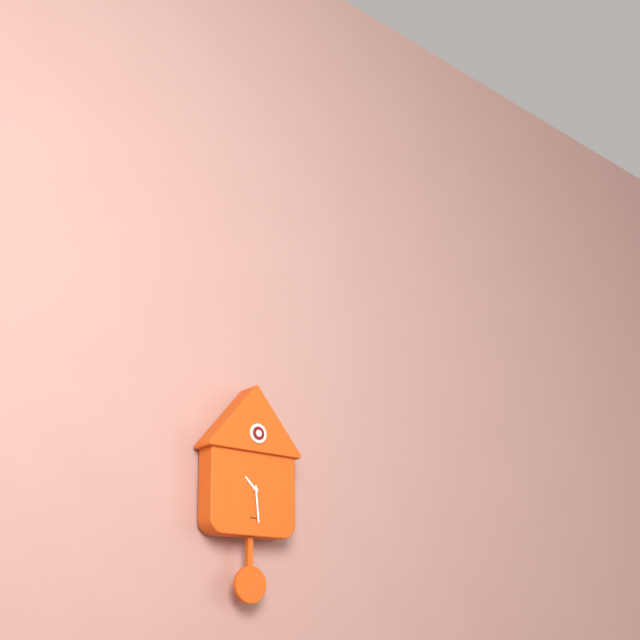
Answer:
10h29
